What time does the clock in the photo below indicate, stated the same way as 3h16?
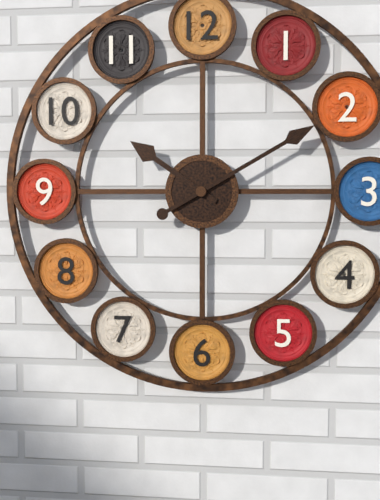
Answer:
10h10
